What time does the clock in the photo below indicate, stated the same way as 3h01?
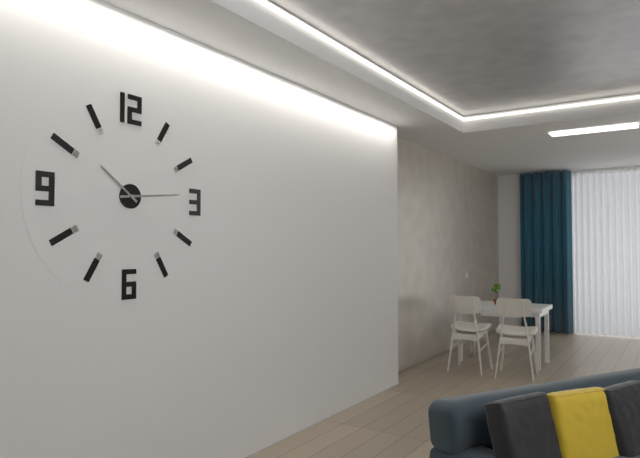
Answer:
10h14
